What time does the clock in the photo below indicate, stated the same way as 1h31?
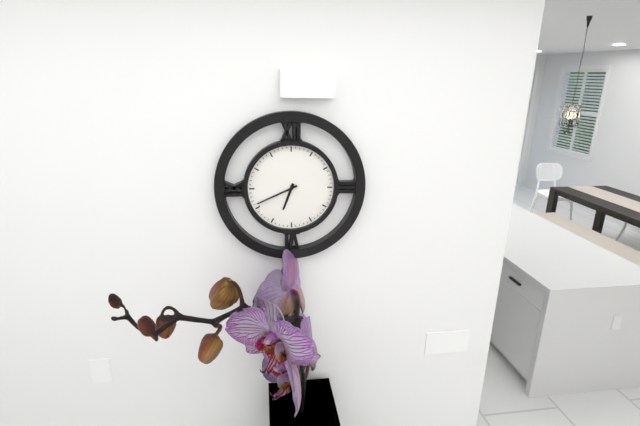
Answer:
6h41
